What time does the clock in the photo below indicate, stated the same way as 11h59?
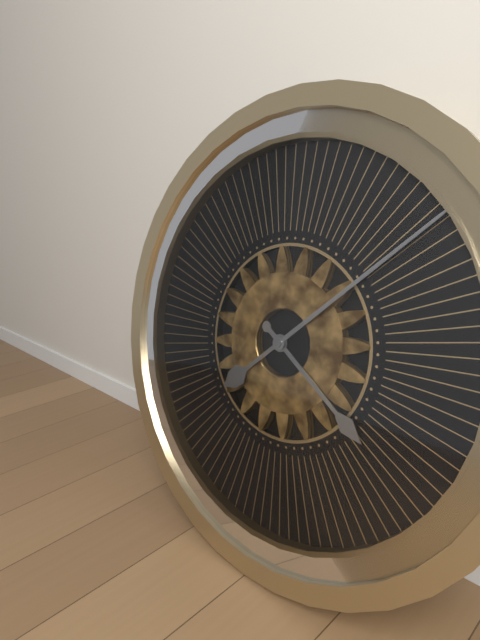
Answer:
4h08
